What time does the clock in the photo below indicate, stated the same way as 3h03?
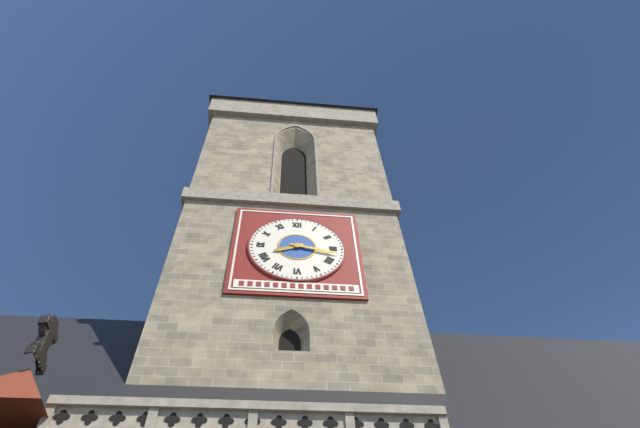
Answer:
8h17
